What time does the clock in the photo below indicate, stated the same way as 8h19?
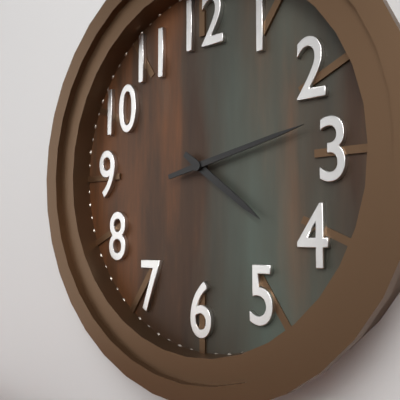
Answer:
4h13
